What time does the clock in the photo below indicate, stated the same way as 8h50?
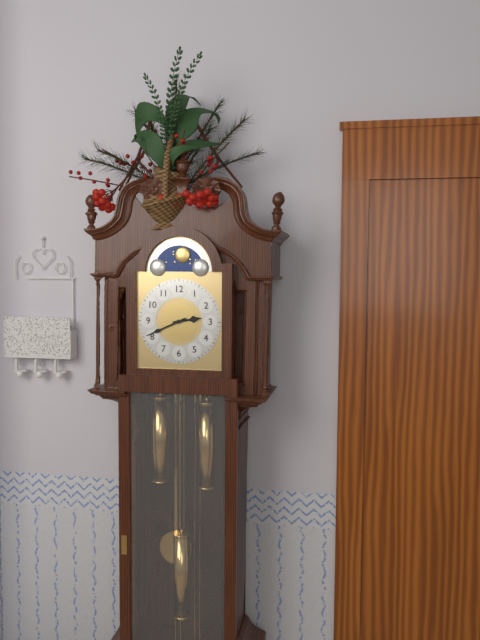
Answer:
2h41
